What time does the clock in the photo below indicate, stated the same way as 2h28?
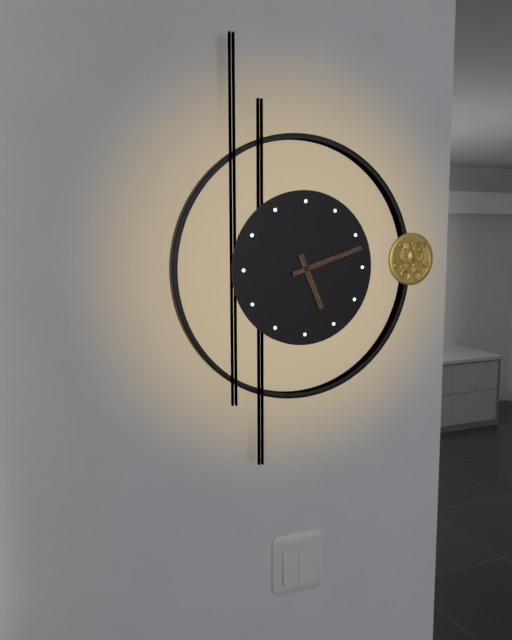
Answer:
5h12
